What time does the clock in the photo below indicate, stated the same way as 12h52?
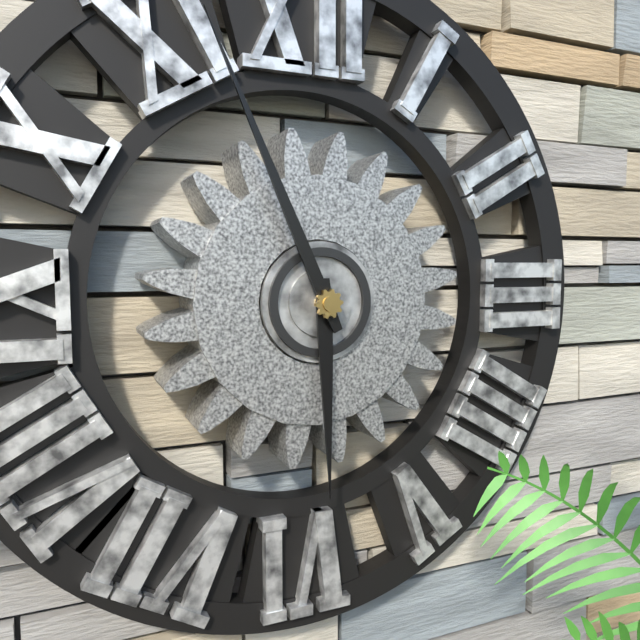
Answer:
5h56
